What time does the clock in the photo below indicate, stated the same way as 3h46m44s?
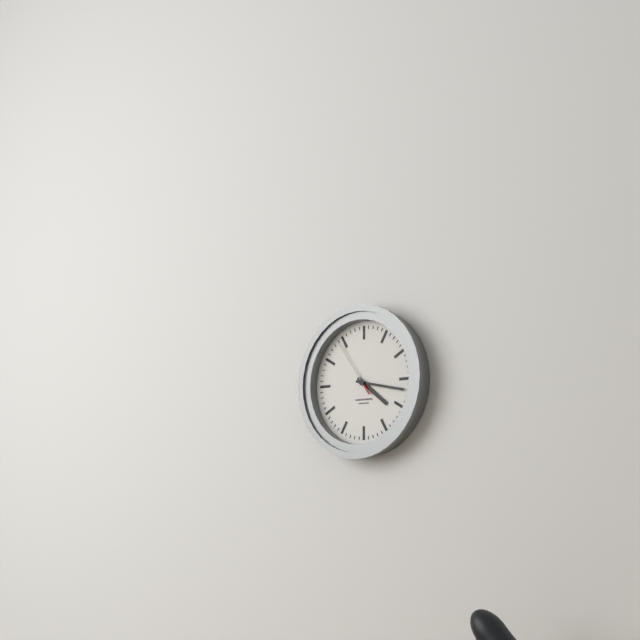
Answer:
4h17m54s
